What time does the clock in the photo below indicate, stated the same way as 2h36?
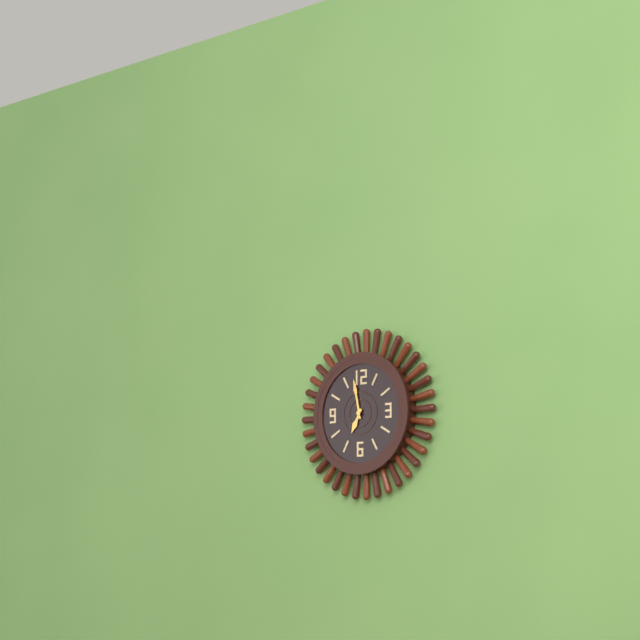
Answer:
6h58
